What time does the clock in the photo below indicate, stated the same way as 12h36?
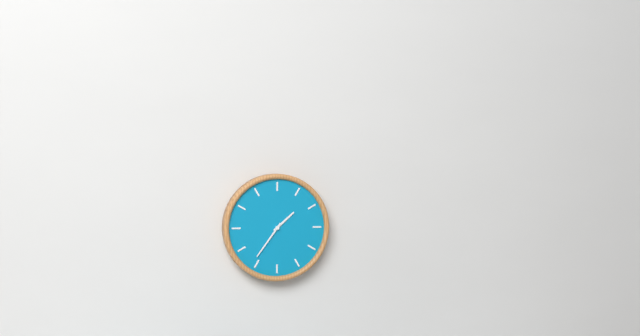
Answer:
1h36
